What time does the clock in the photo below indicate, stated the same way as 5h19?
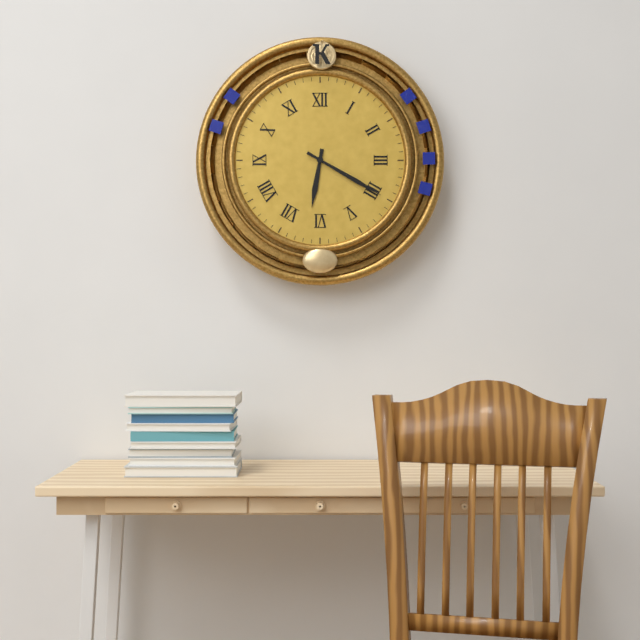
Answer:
6h20
